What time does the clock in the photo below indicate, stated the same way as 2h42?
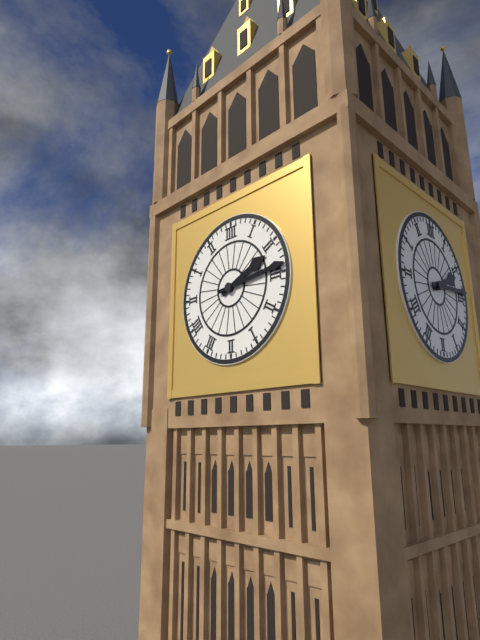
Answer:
2h14
